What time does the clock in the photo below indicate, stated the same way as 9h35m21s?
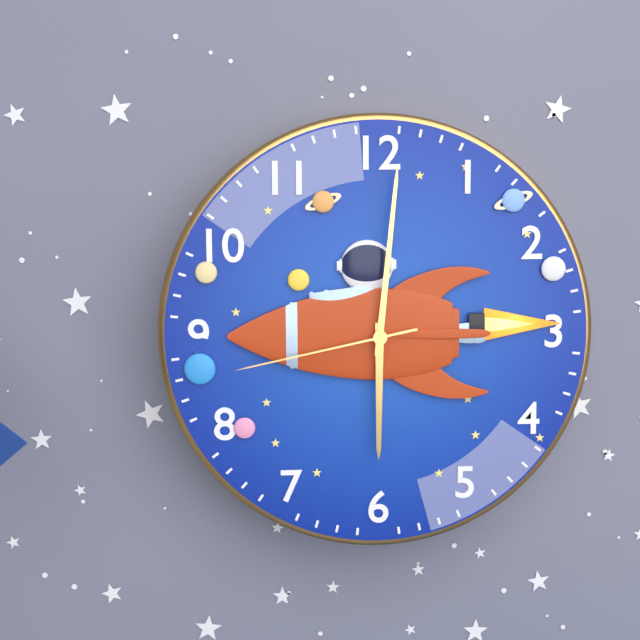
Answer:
6h01m43s
